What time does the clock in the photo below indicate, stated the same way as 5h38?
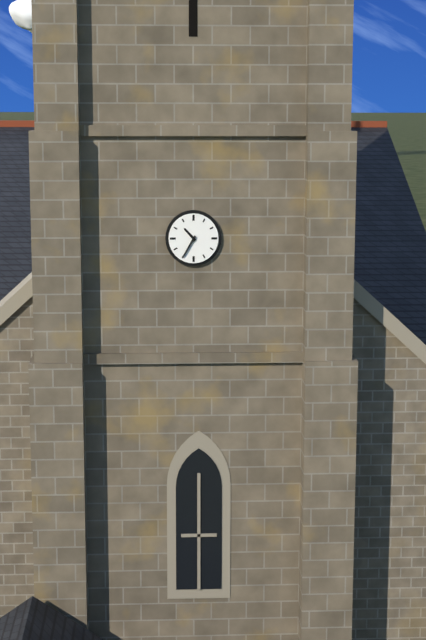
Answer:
10h35
